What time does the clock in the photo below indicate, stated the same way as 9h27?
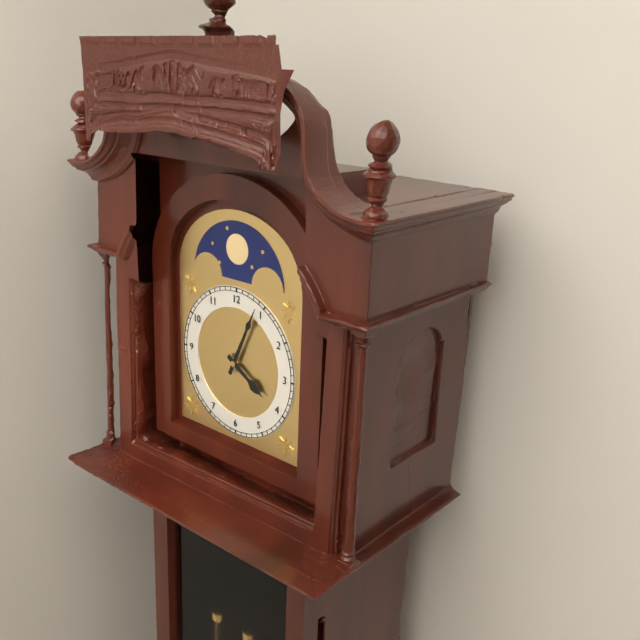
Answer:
4h04
